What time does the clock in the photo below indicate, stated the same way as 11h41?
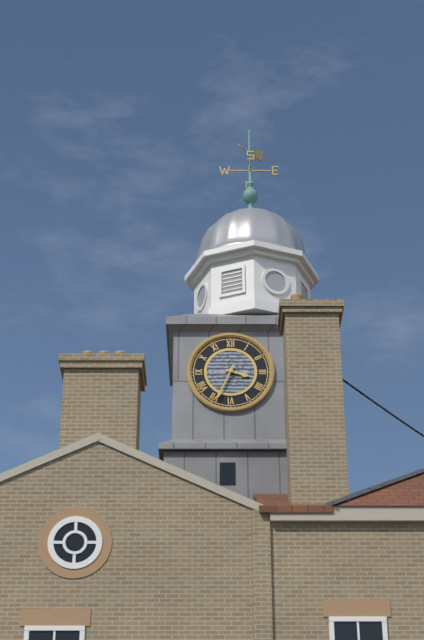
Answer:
3h34
